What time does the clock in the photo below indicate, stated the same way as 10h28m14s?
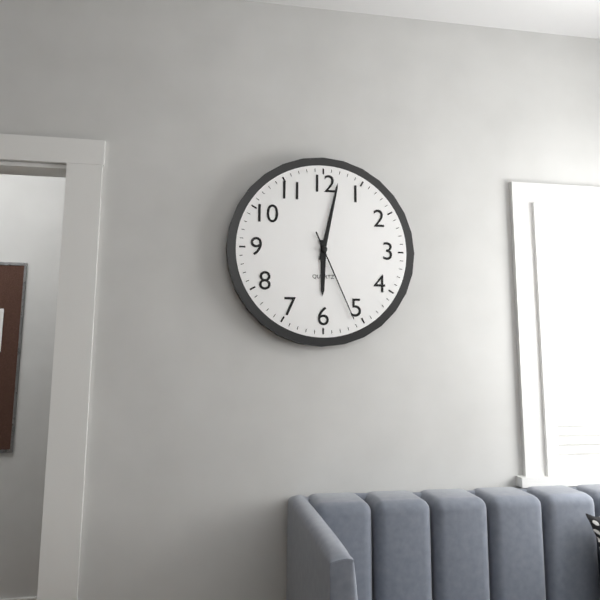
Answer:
6h02m26s
